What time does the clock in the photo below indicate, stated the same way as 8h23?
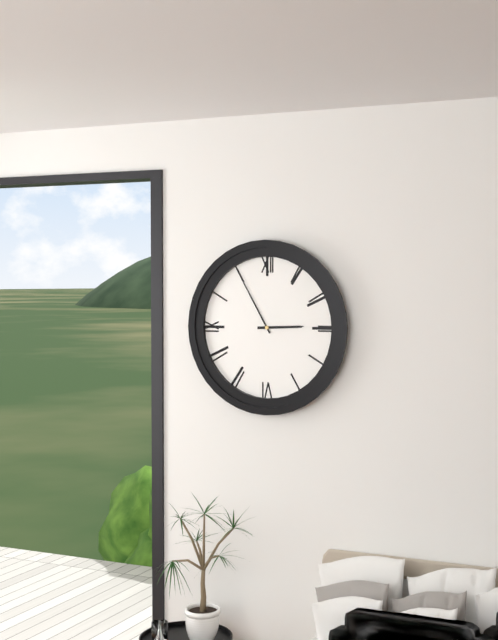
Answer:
2h55
